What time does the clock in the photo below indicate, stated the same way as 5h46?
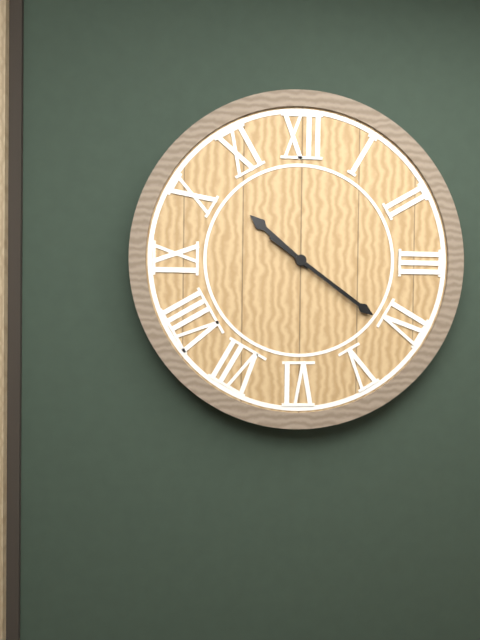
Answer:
10h21
